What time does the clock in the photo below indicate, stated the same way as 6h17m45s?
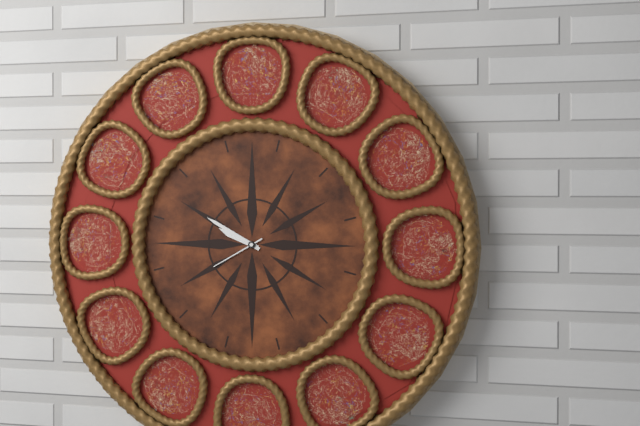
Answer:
9h50m40s
